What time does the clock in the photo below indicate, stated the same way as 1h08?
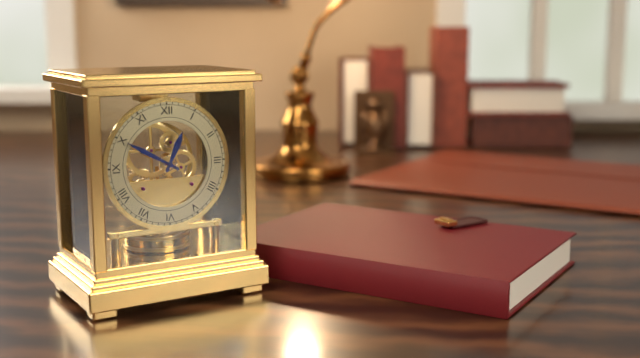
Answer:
12h50
